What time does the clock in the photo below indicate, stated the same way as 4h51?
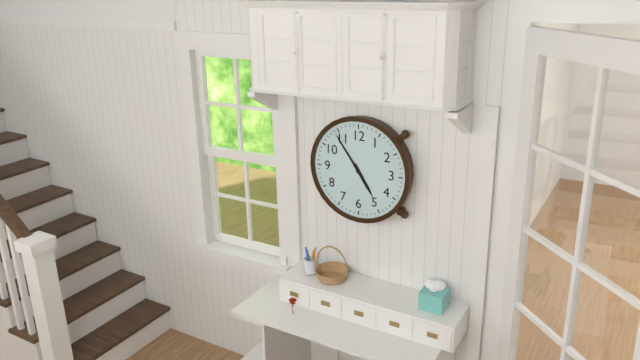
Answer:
4h54
